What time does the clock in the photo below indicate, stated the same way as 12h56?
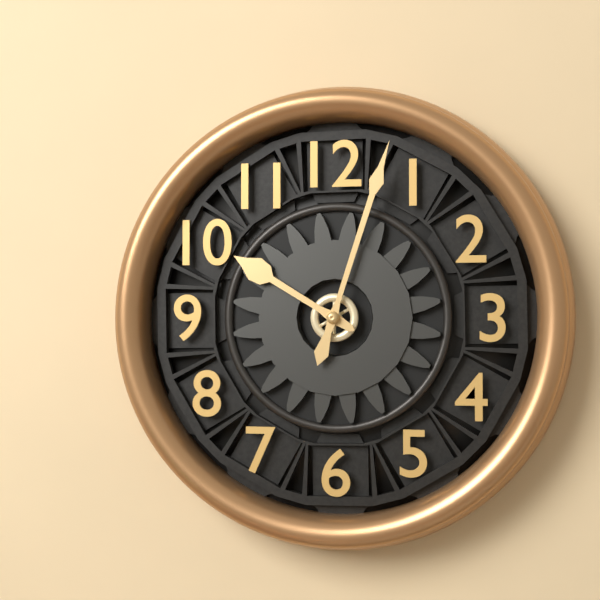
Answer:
10h03
